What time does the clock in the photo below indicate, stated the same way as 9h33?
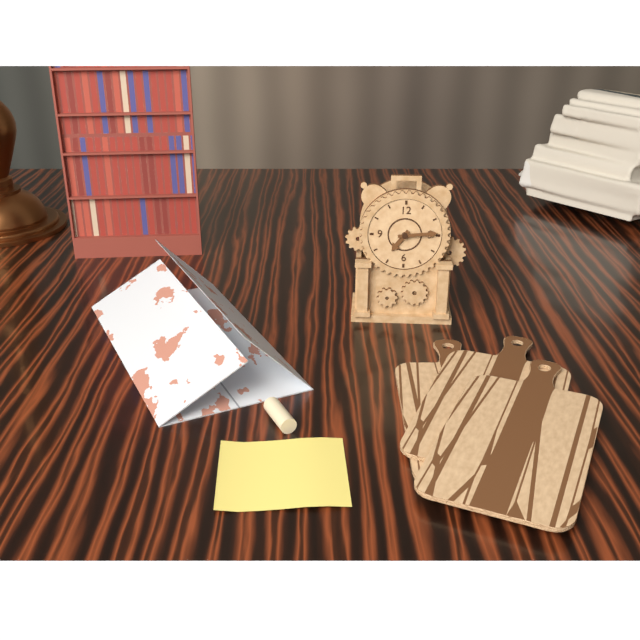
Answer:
7h14
